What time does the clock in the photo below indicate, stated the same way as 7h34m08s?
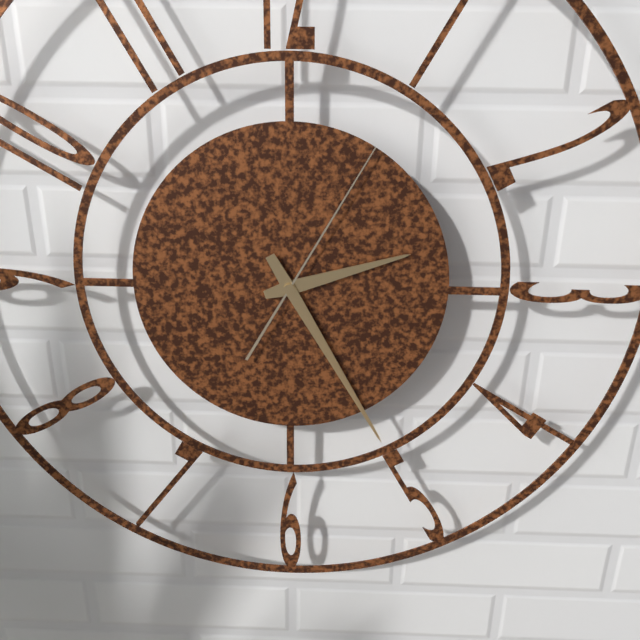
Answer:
2h25m05s
